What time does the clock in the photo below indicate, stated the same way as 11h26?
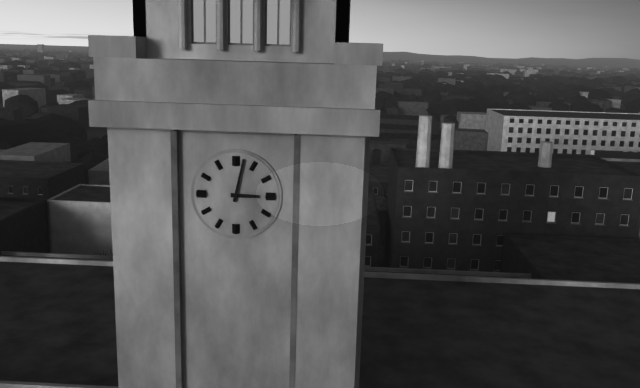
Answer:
3h02
